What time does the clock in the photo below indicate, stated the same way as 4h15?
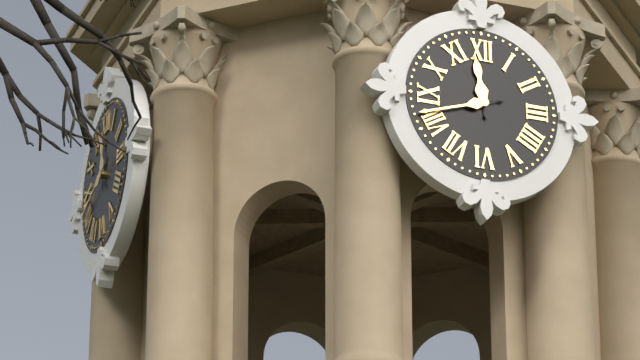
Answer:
11h42
